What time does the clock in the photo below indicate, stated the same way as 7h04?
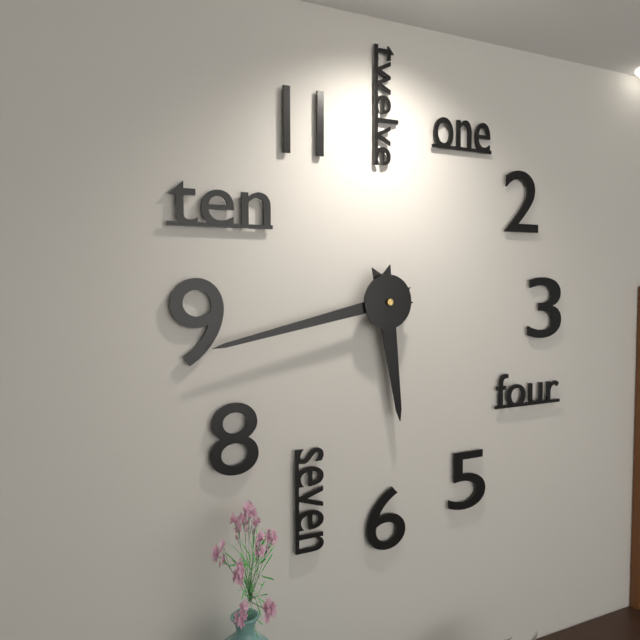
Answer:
5h43
